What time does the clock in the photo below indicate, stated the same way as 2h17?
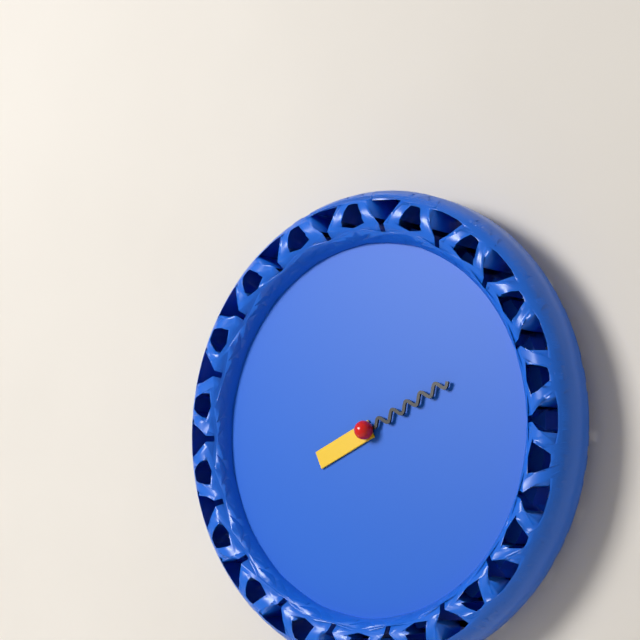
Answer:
8h11
